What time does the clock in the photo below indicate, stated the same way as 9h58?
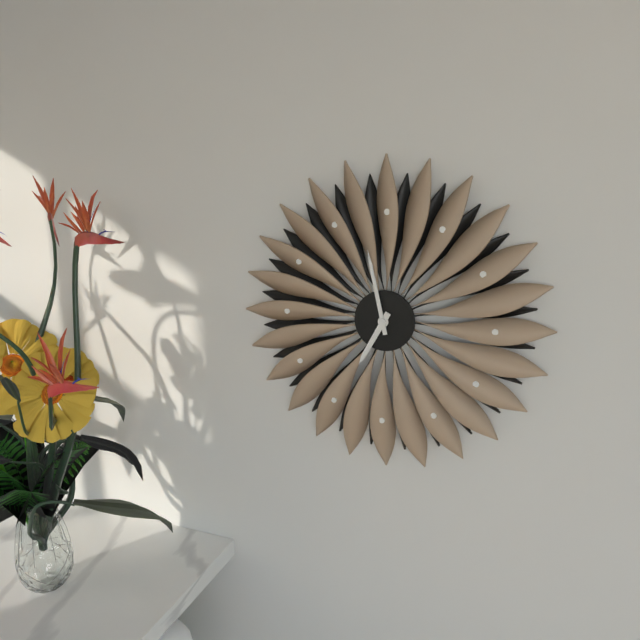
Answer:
6h58
